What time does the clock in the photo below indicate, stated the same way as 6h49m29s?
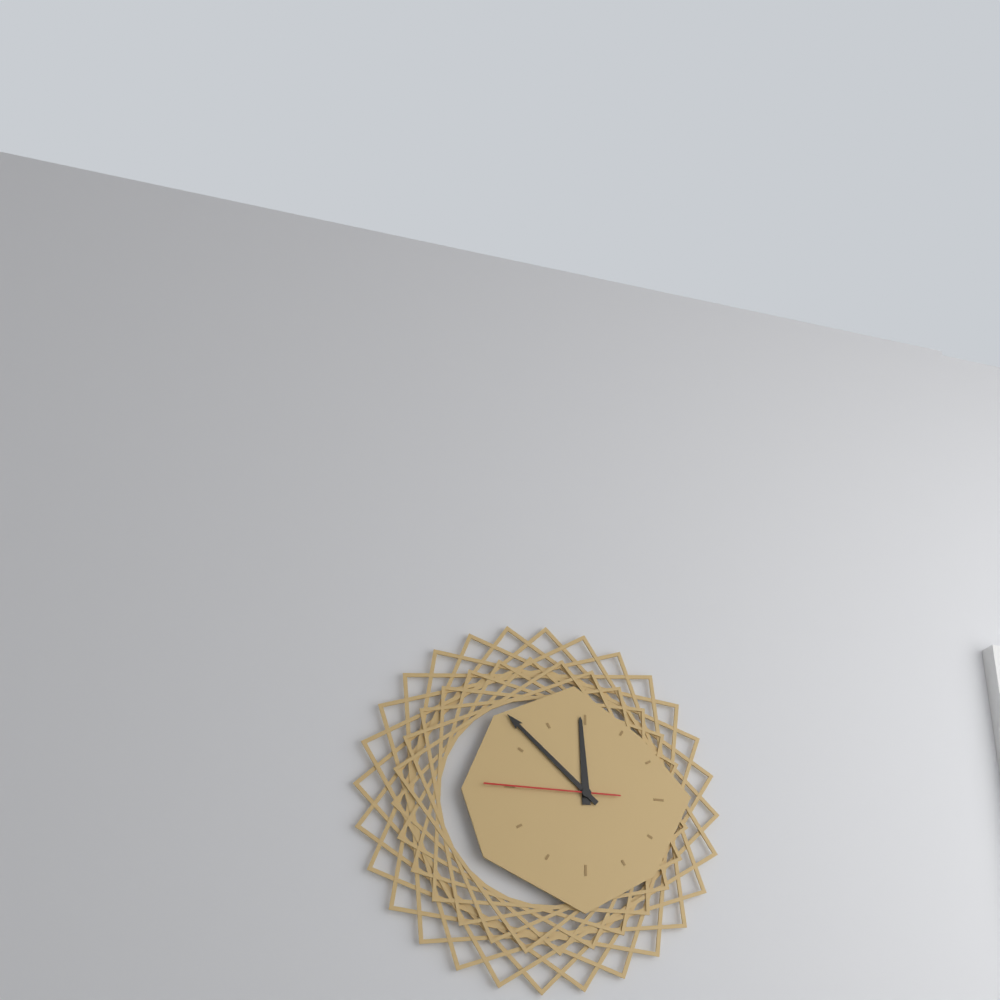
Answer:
11h52m45s
